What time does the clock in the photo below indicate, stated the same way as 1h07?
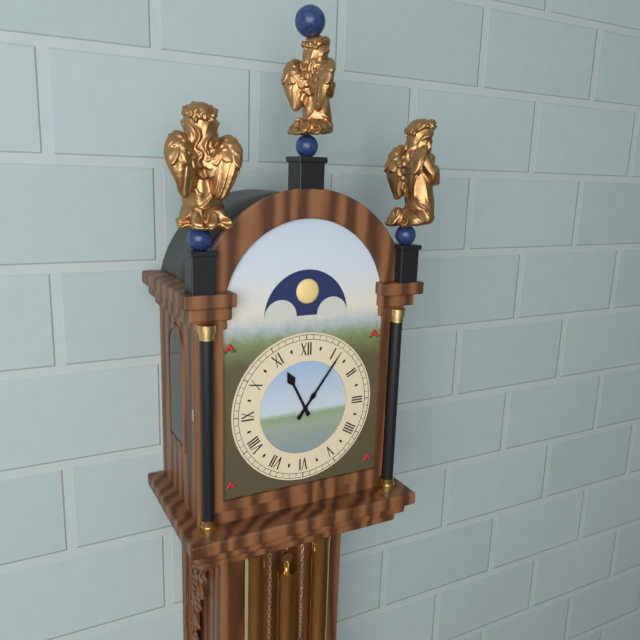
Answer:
11h06
